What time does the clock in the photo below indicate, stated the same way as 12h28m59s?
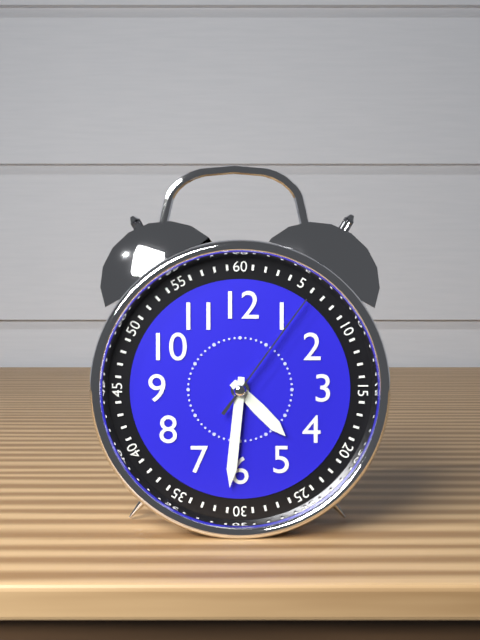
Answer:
4h31m06s
